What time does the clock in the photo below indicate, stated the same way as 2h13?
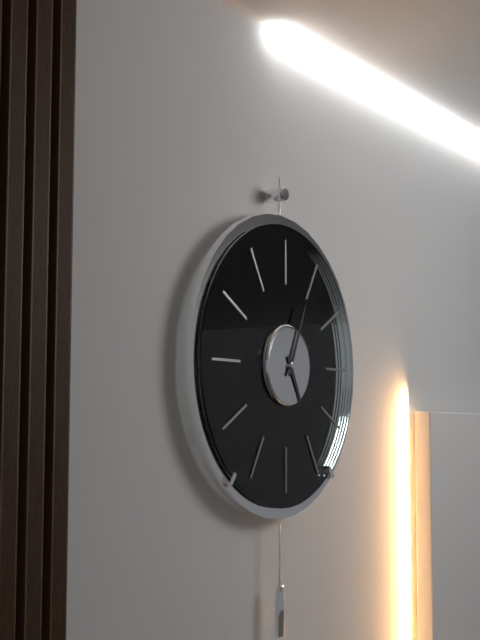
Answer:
5h04
